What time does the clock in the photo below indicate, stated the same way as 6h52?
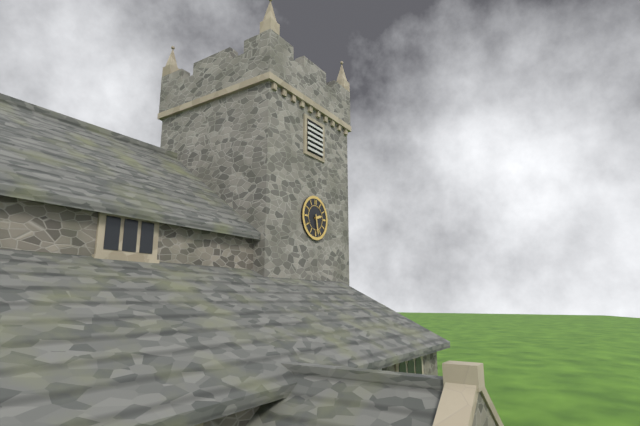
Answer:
2h28
